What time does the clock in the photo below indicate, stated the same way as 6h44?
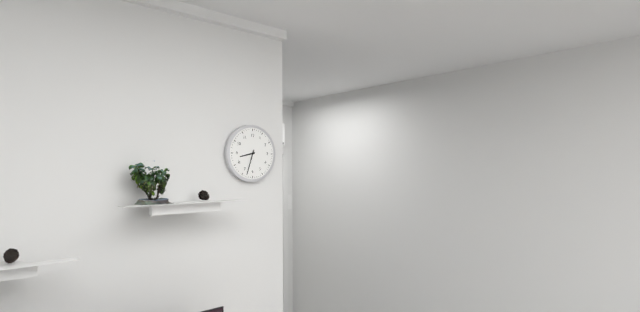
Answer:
8h33
